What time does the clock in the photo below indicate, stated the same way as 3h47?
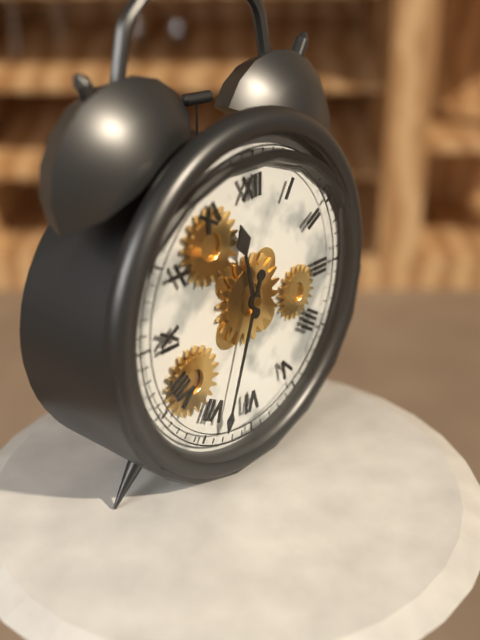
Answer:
11h33
